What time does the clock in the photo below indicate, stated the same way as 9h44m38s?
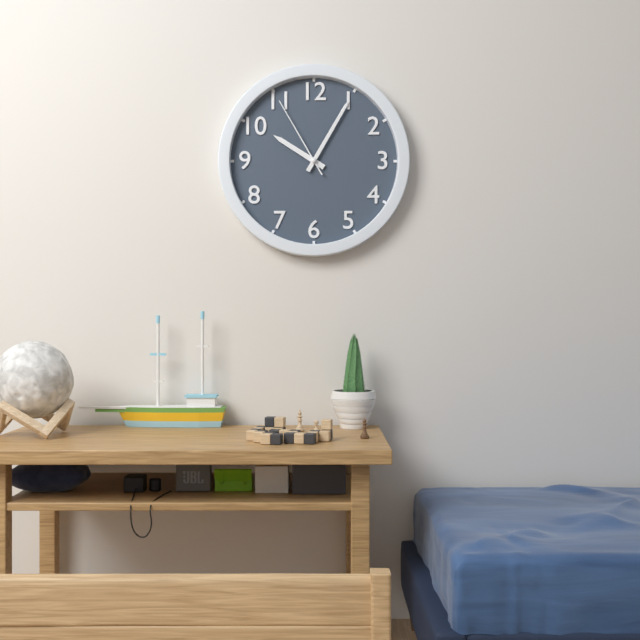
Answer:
10h05m55s
